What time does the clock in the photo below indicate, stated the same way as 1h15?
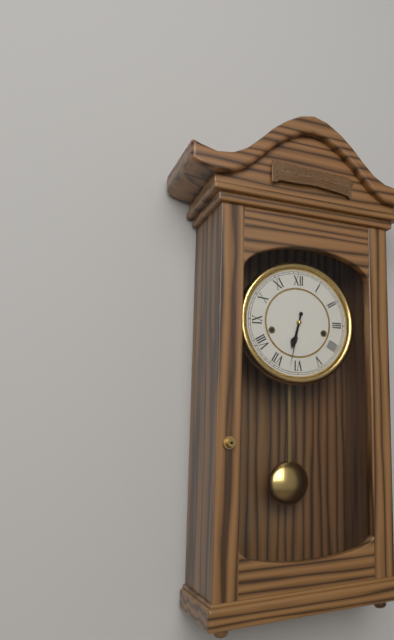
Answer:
6h32
